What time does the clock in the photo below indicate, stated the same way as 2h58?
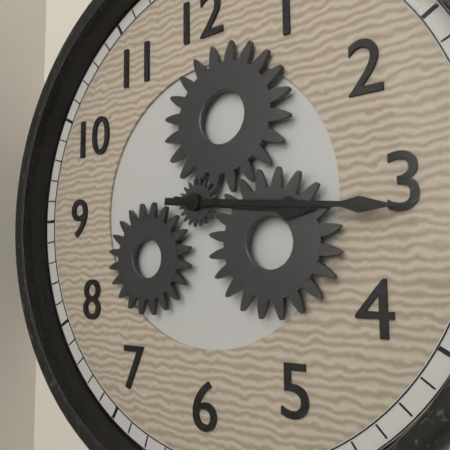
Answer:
3h16
